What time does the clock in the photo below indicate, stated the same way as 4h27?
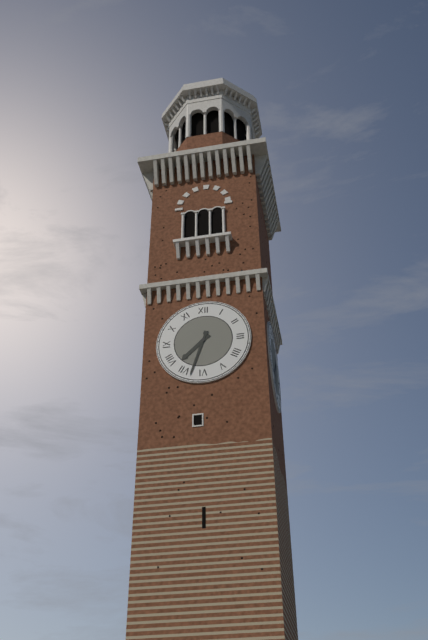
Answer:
7h33
